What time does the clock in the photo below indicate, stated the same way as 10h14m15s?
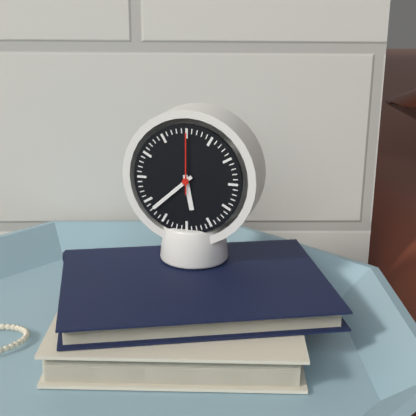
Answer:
5h38m00s
